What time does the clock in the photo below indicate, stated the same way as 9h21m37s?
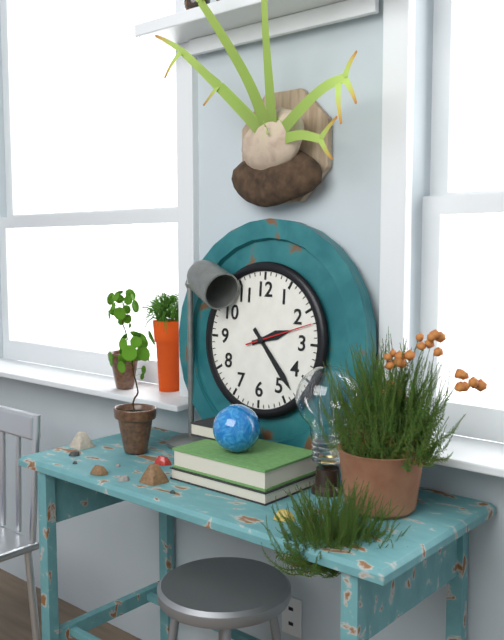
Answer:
2h23m12s
